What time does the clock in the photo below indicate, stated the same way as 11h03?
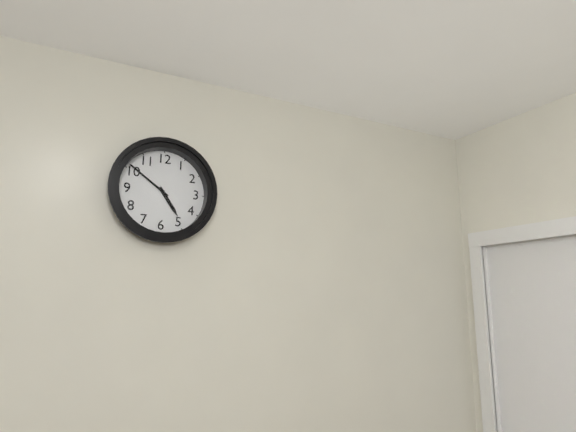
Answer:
4h51
